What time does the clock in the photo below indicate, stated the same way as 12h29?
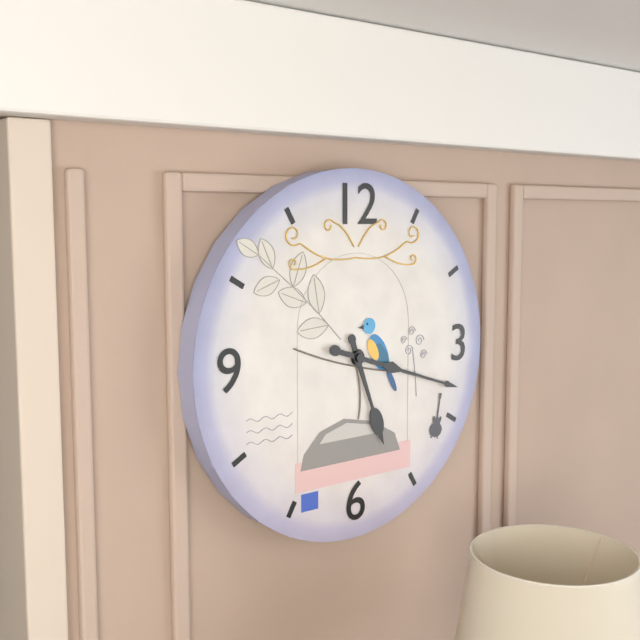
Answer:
5h18
